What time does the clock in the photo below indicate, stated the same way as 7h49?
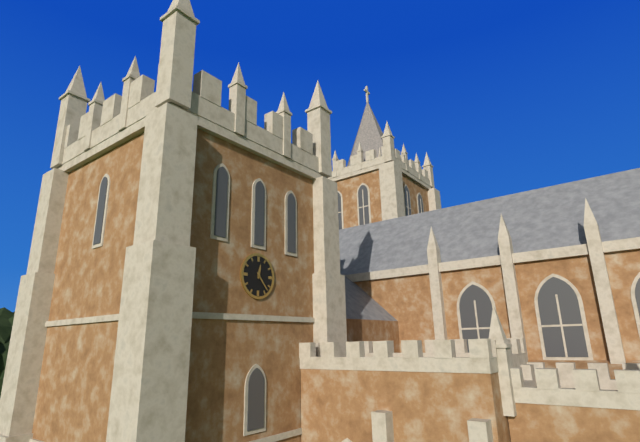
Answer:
12h23
